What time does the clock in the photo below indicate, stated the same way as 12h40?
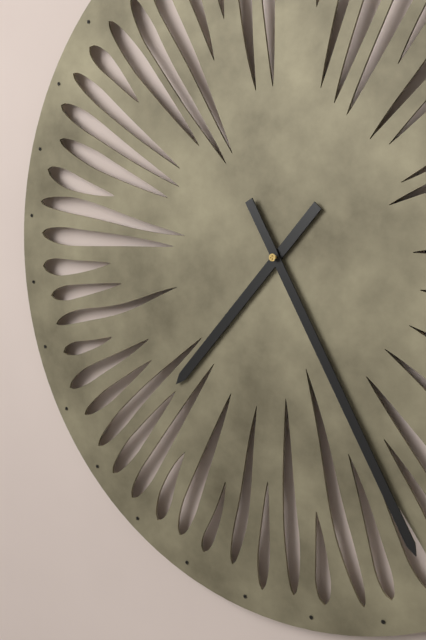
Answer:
7h25
